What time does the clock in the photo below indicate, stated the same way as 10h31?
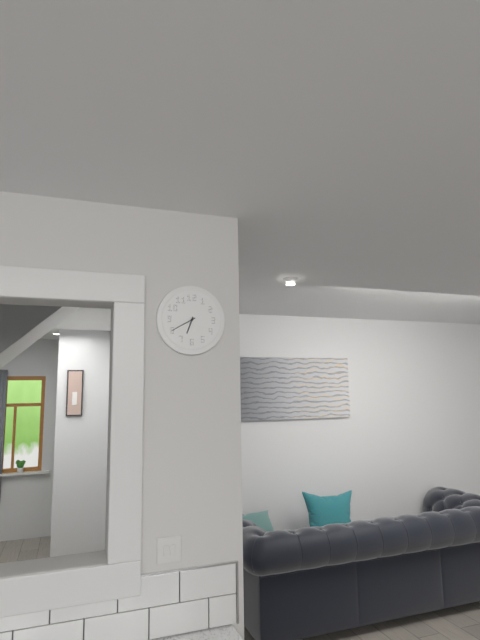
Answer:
6h40
